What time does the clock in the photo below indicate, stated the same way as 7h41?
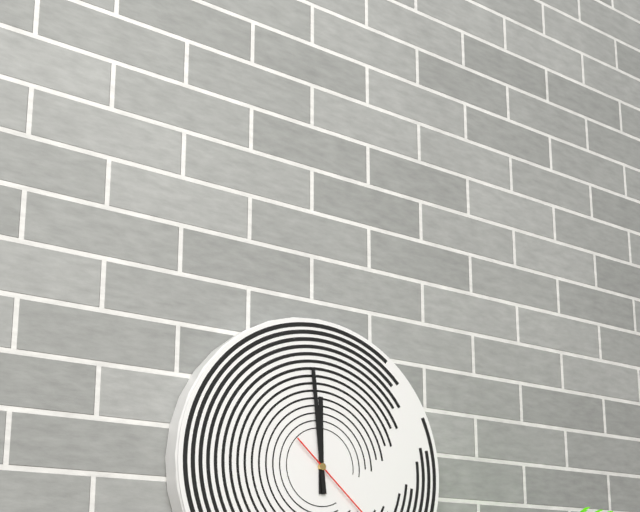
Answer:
11h59
